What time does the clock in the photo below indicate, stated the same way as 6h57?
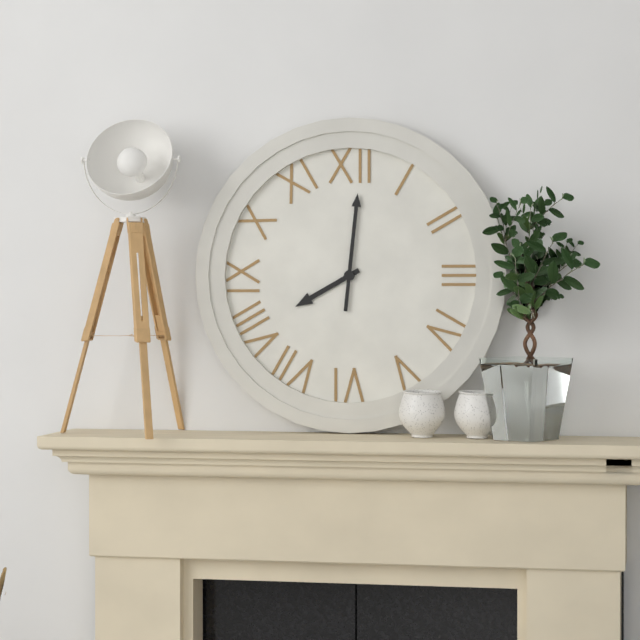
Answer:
8h01
